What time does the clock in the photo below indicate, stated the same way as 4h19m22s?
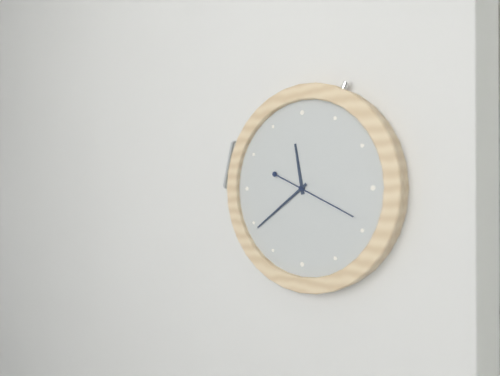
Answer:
11h39m19s
